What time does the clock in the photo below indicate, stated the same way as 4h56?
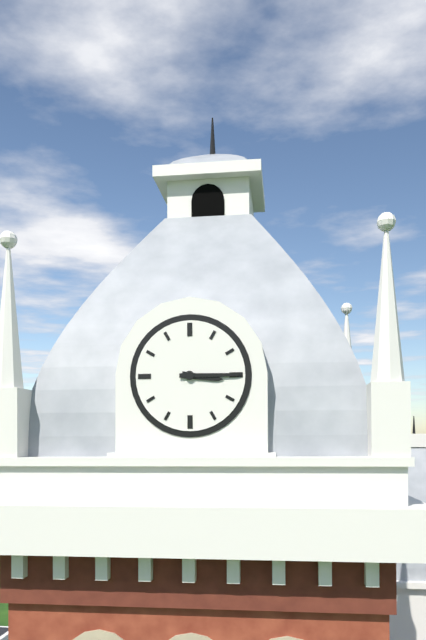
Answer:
3h15
